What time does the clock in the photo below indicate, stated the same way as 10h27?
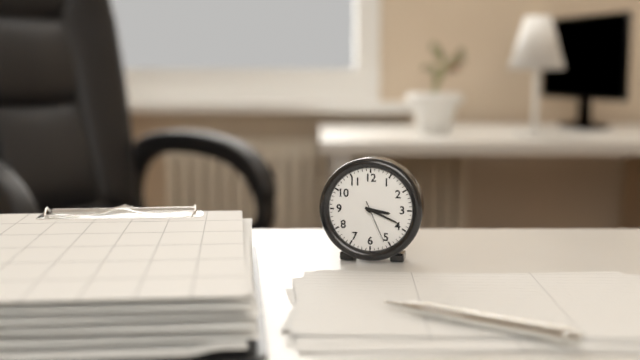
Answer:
3h19
